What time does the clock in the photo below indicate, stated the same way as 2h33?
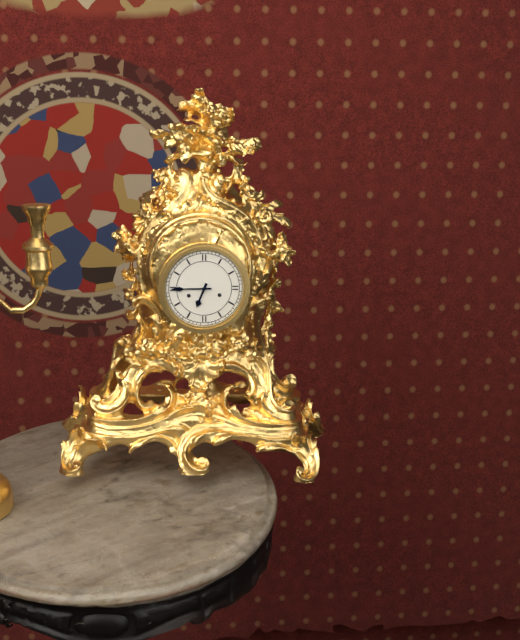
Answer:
6h45
